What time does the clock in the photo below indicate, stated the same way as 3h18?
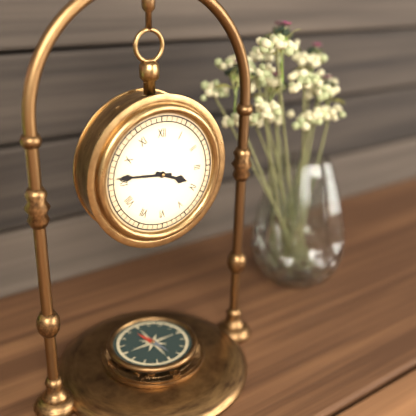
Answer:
3h46
